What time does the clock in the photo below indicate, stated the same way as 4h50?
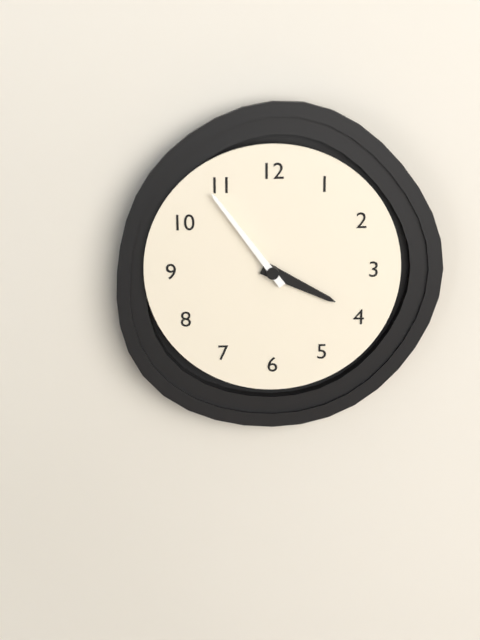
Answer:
3h54
